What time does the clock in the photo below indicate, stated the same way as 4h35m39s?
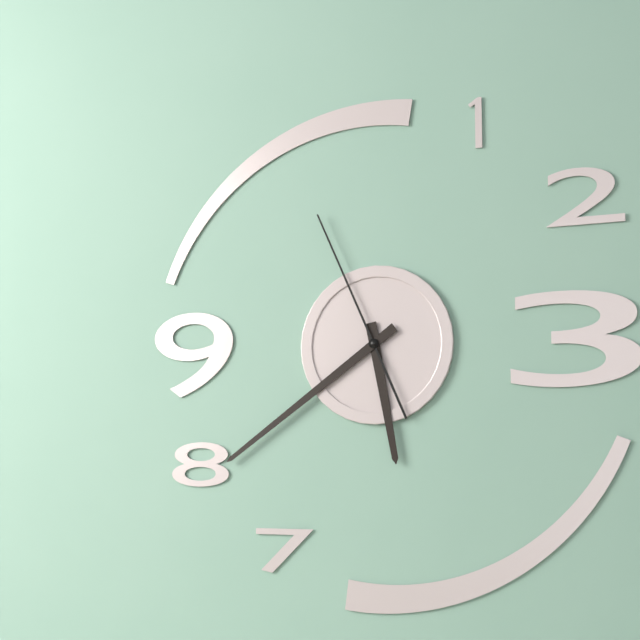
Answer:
5h39m56s
